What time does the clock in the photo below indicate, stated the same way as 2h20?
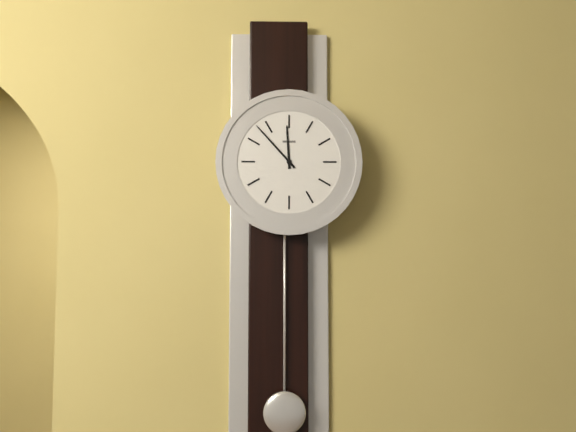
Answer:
11h53
